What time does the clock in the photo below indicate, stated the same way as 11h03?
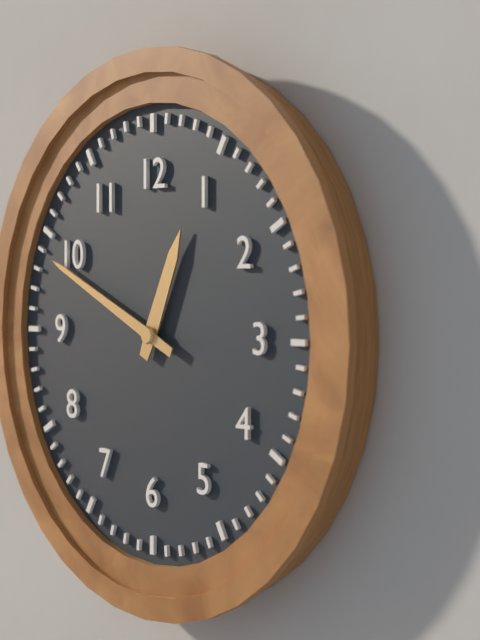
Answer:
12h49
